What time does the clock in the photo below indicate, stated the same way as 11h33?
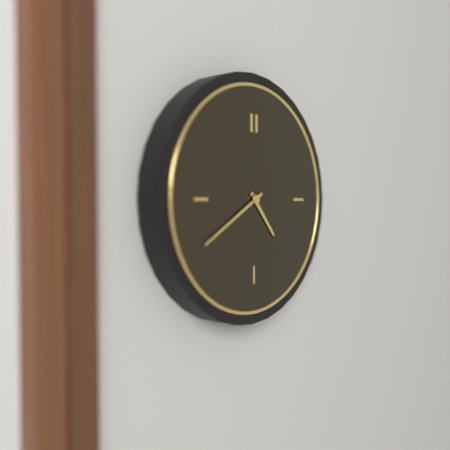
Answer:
4h40
